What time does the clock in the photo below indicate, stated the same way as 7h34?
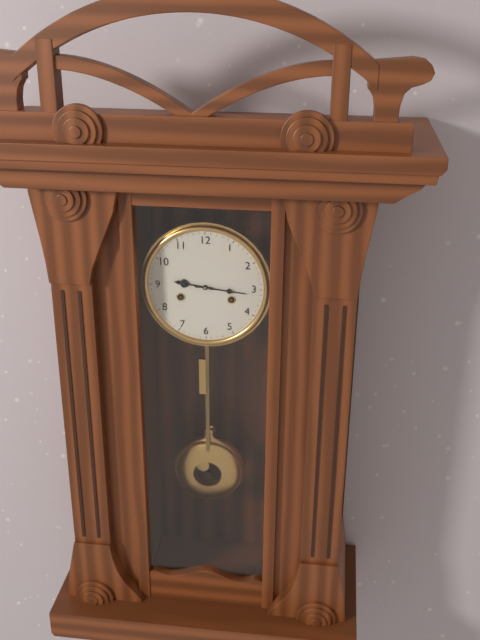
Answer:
9h16
